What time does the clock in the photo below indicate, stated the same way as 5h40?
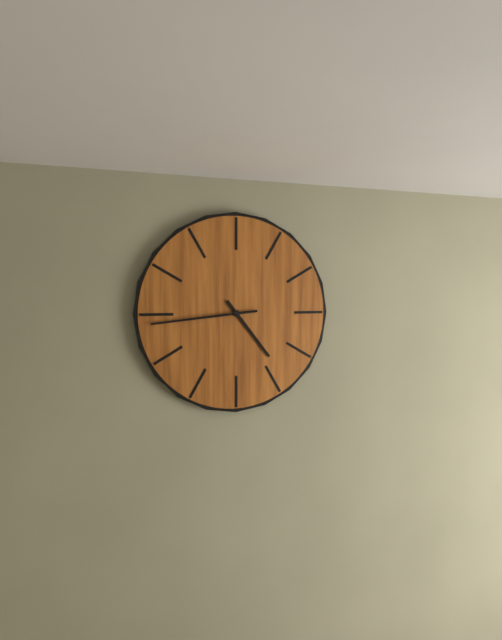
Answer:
4h44
